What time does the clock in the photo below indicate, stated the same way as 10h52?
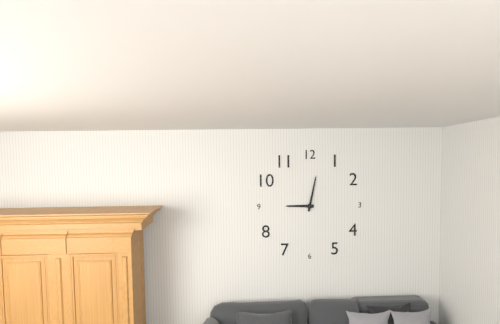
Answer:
9h02
